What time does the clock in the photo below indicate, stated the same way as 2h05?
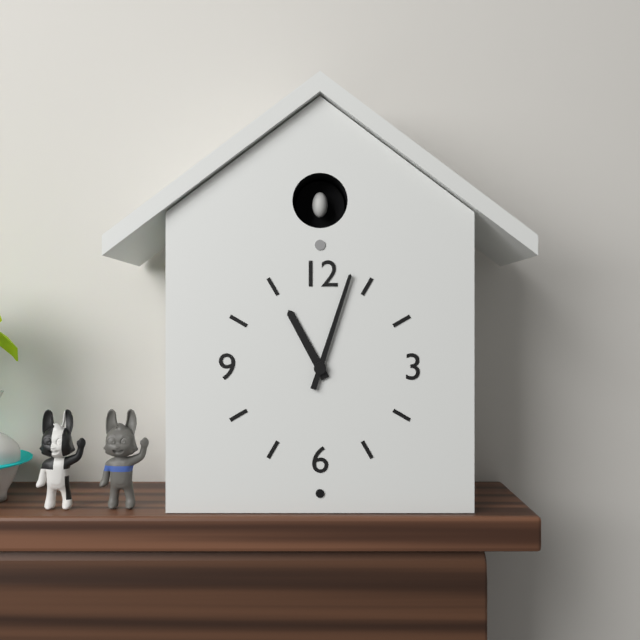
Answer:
11h03
